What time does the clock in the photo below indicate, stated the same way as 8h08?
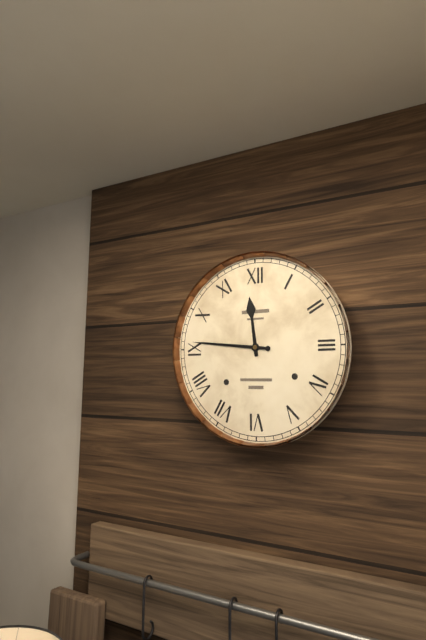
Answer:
11h46
